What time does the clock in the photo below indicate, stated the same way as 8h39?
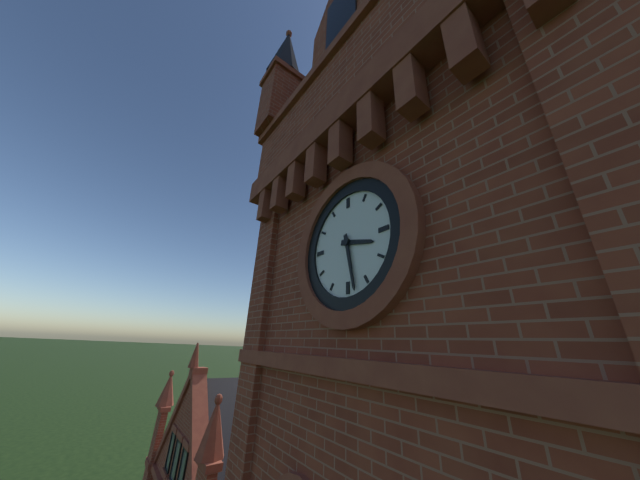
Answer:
3h28
